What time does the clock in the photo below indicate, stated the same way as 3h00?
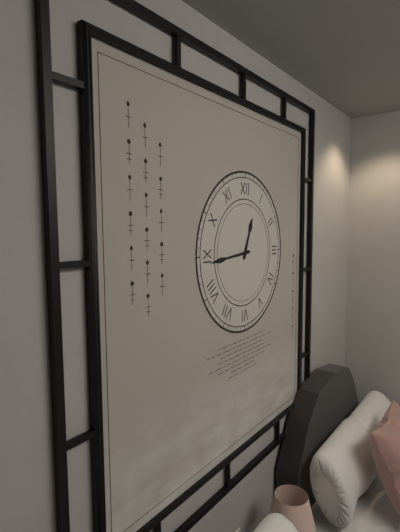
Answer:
12h44
